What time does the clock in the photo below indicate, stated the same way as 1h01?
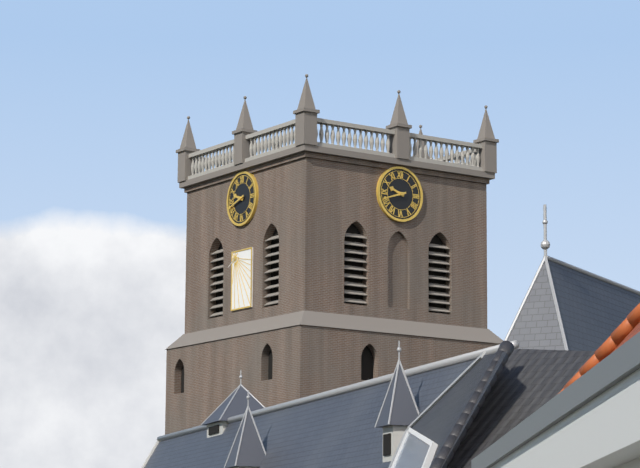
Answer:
9h42
